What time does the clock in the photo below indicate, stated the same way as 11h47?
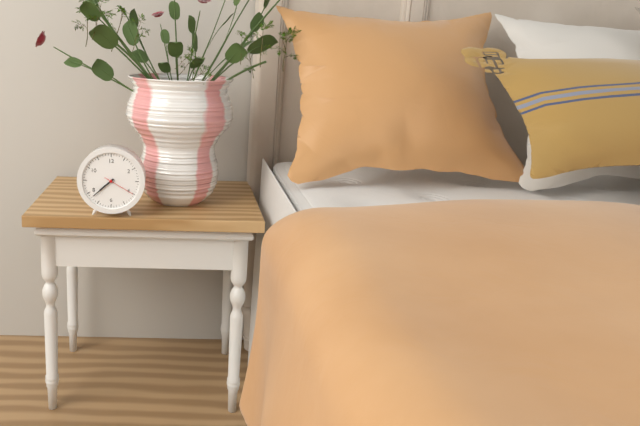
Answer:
7h38
